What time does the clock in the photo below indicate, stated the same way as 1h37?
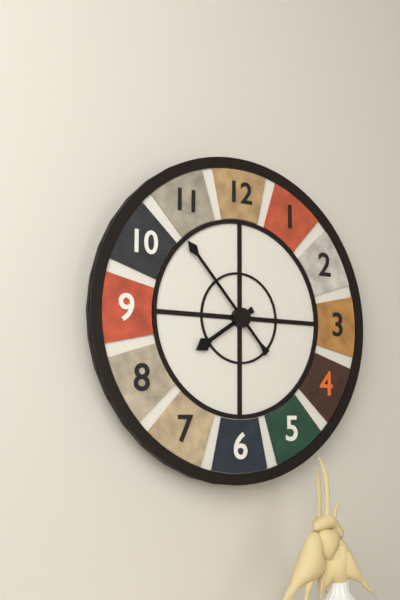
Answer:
7h53
